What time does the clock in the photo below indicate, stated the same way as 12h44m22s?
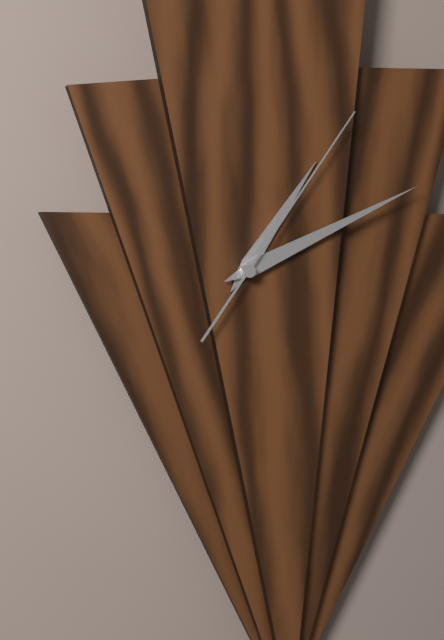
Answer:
1h11m06s
